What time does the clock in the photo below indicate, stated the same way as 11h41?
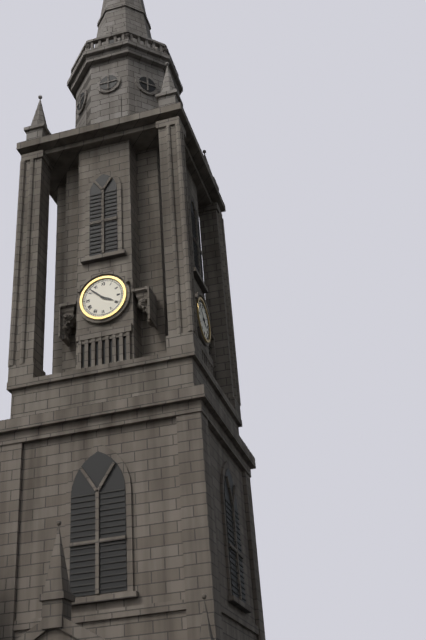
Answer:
3h52
